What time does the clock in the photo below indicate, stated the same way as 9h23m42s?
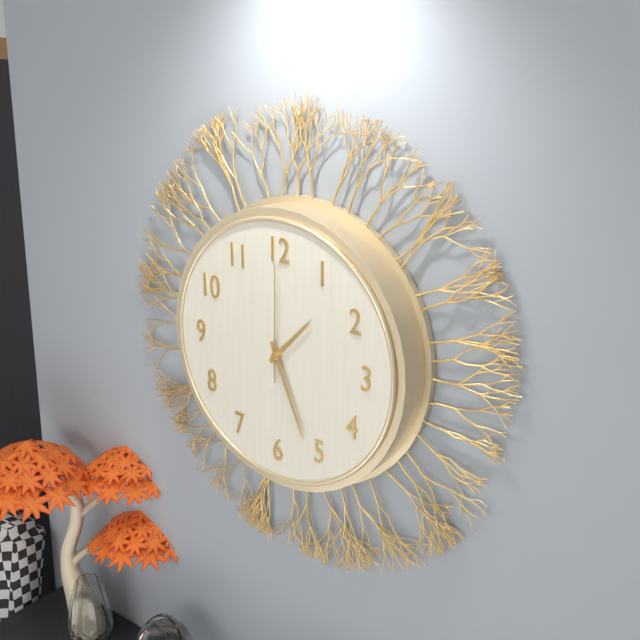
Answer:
1h26m00s
